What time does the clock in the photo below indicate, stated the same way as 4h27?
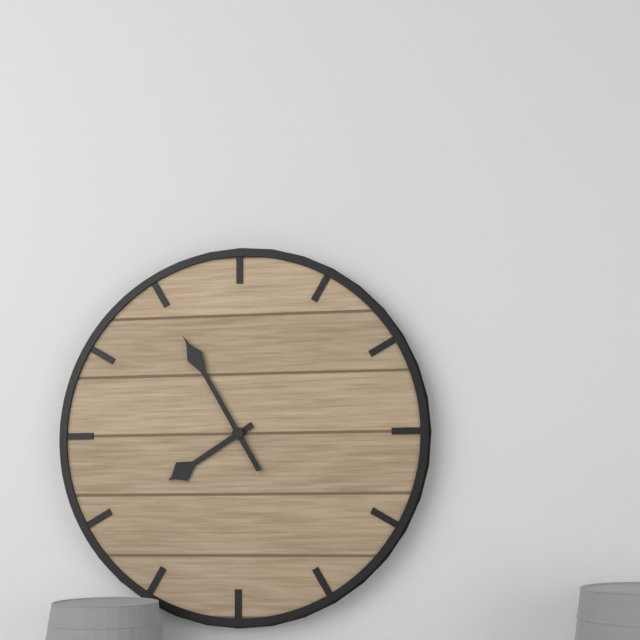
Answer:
7h55
